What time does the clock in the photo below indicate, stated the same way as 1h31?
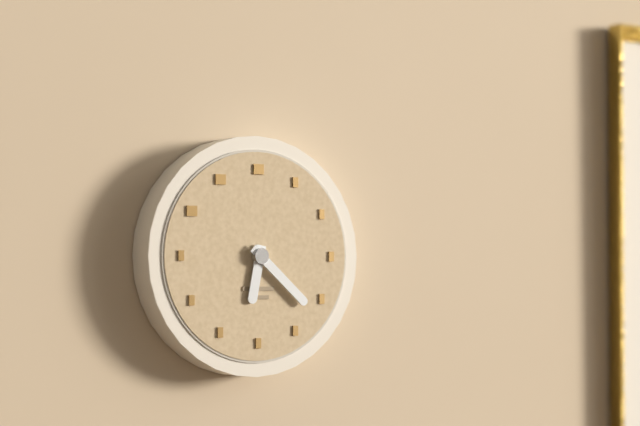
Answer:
6h22
